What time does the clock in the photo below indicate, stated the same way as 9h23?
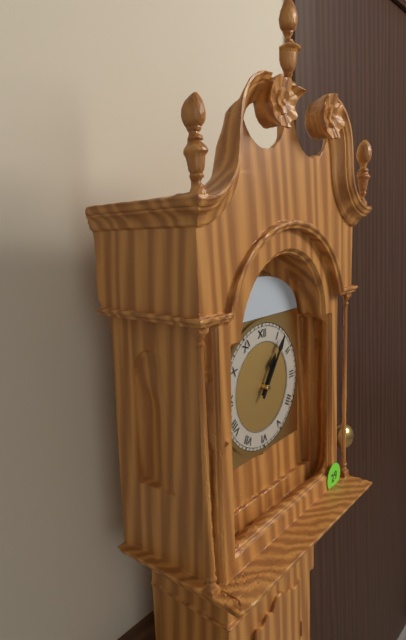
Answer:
1h06
